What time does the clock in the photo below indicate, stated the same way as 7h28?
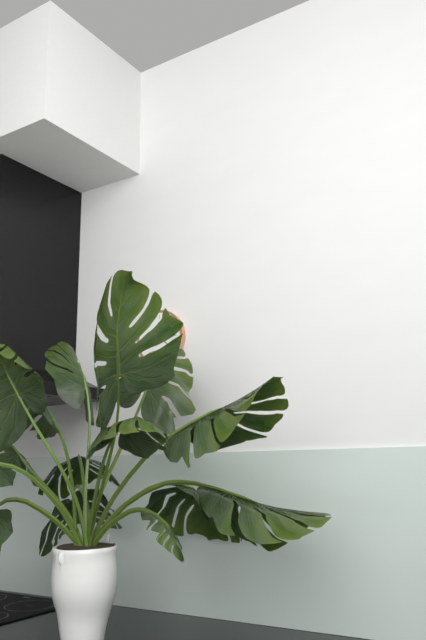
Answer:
4h15
